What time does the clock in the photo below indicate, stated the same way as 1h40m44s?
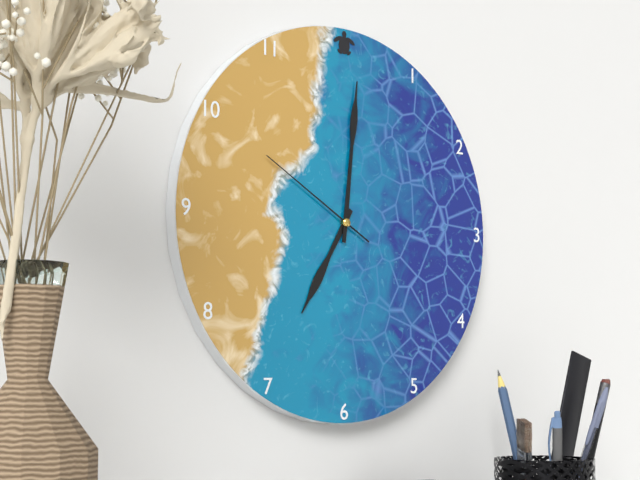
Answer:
7h01m50s
